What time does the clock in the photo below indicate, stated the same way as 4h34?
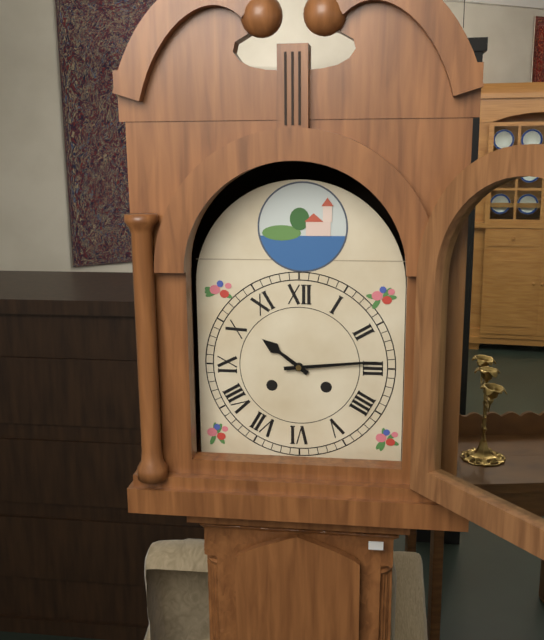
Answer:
10h14
